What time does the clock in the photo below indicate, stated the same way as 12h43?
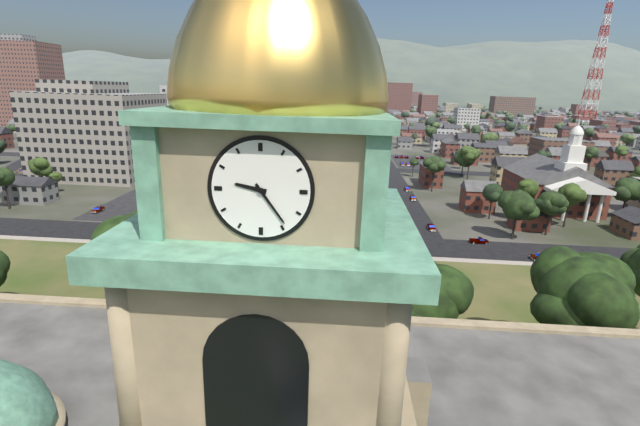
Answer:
9h24
